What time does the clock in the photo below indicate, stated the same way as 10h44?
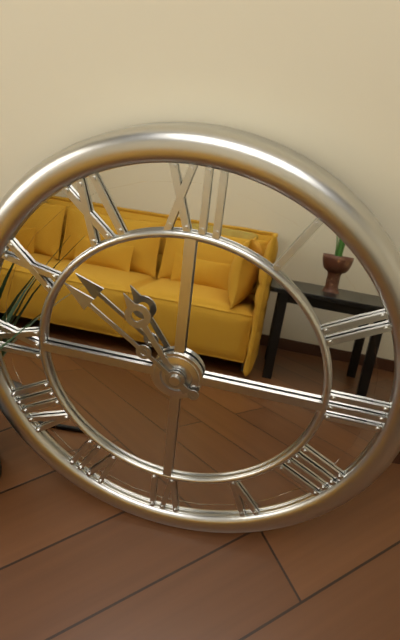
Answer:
10h51
